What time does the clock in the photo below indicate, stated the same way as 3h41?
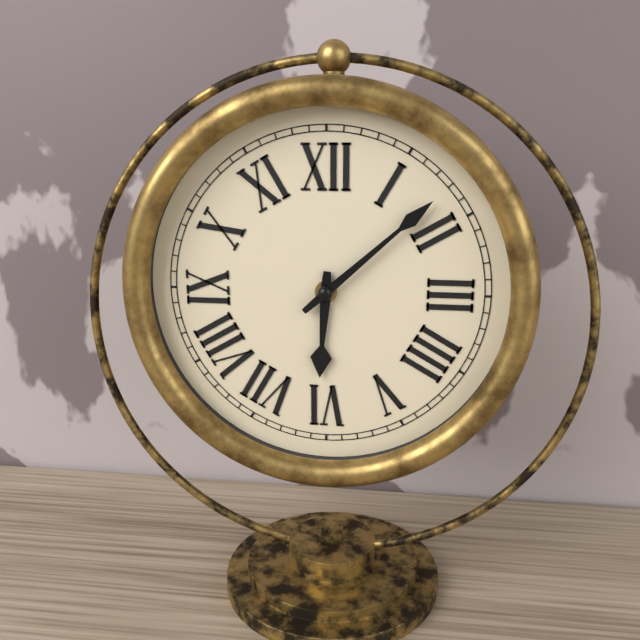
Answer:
6h08
